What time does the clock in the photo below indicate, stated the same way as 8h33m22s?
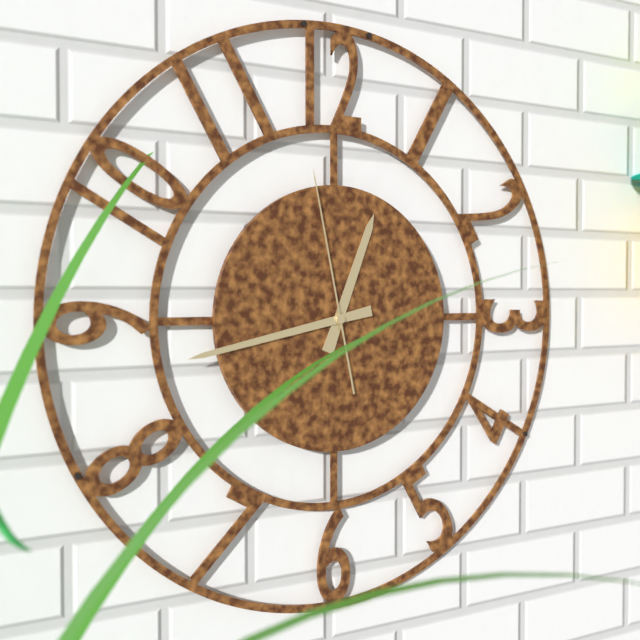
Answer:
12h43m58s
